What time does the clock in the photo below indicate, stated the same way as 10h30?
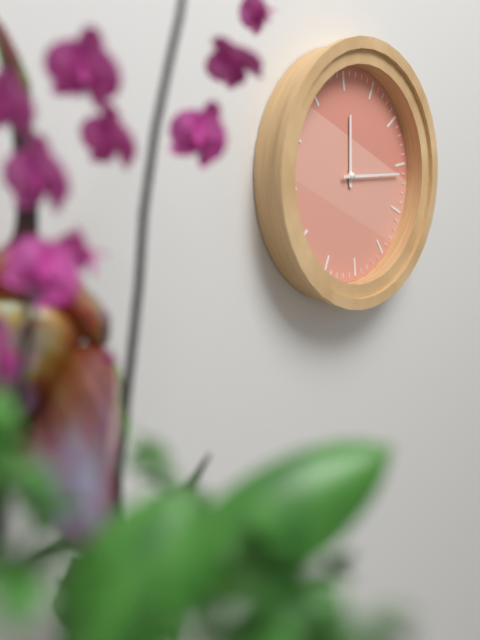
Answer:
11h11
